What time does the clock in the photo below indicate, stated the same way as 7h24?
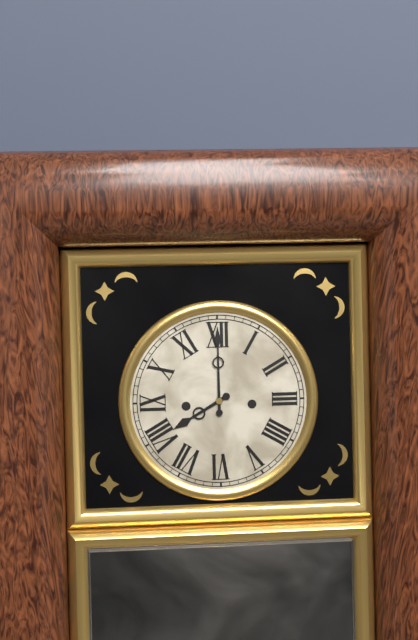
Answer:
8h00
